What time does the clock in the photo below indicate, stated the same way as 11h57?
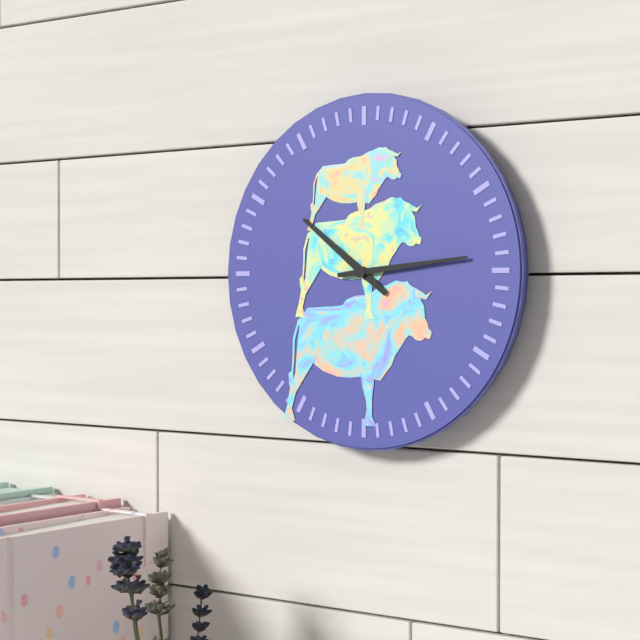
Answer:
10h14
